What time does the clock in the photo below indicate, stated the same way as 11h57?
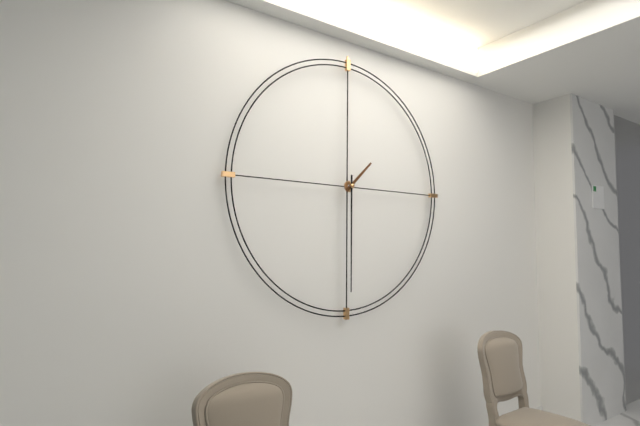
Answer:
1h30
